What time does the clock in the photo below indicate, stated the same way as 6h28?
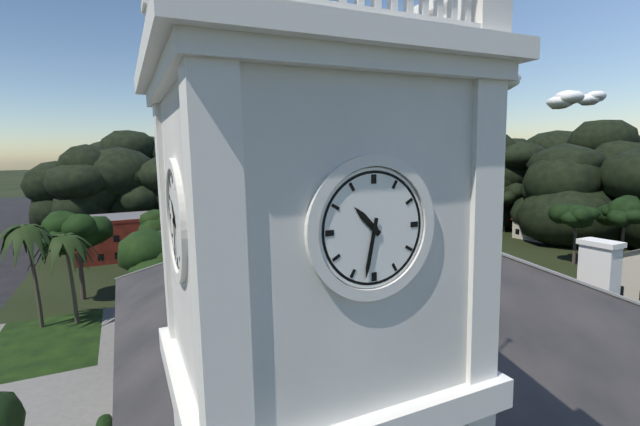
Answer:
10h32
